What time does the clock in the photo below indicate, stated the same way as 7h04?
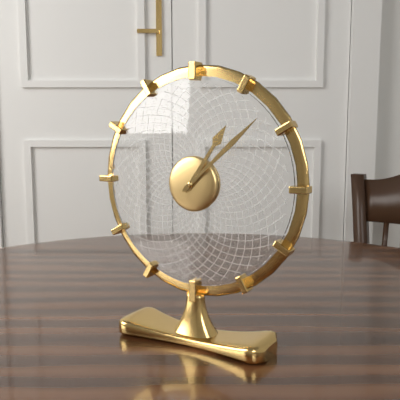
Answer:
1h08
